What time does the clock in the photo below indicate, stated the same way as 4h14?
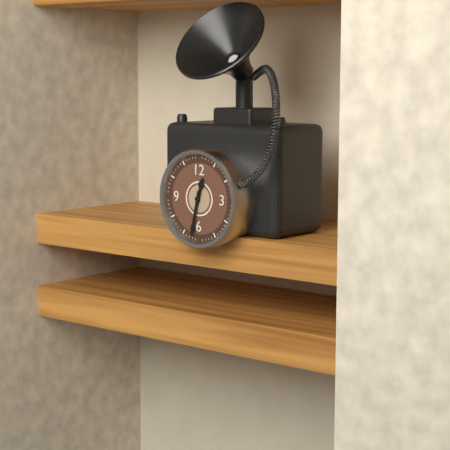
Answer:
12h32
